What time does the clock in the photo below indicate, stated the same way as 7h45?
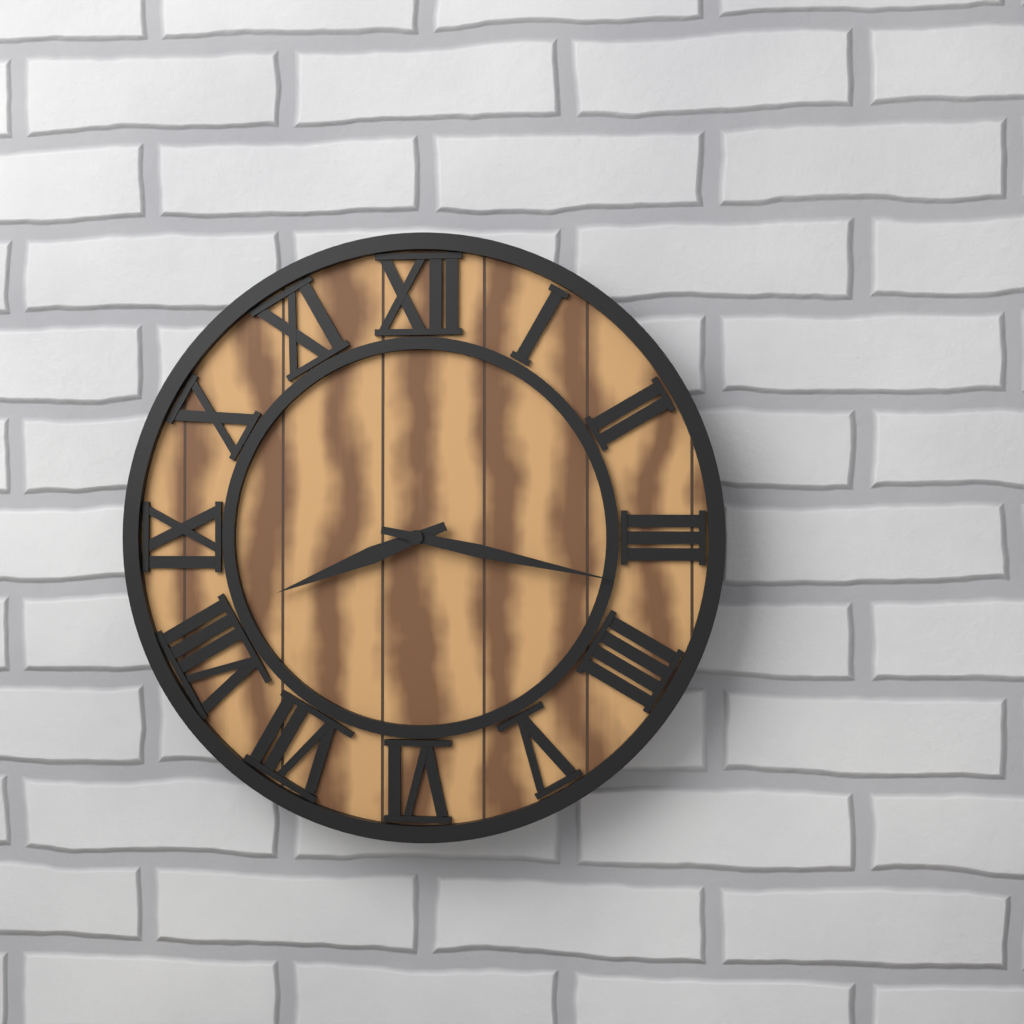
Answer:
8h17
